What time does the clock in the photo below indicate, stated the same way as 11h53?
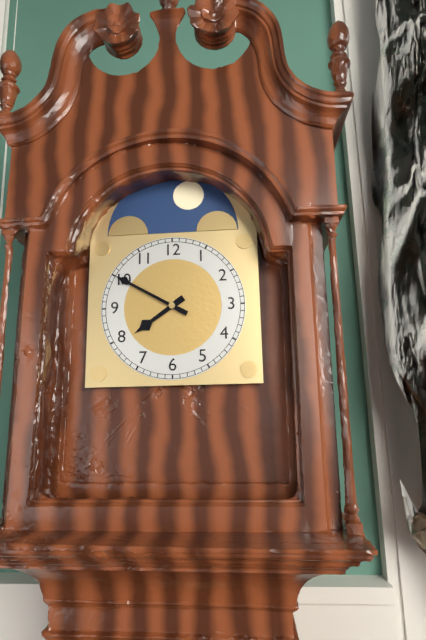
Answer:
7h50
